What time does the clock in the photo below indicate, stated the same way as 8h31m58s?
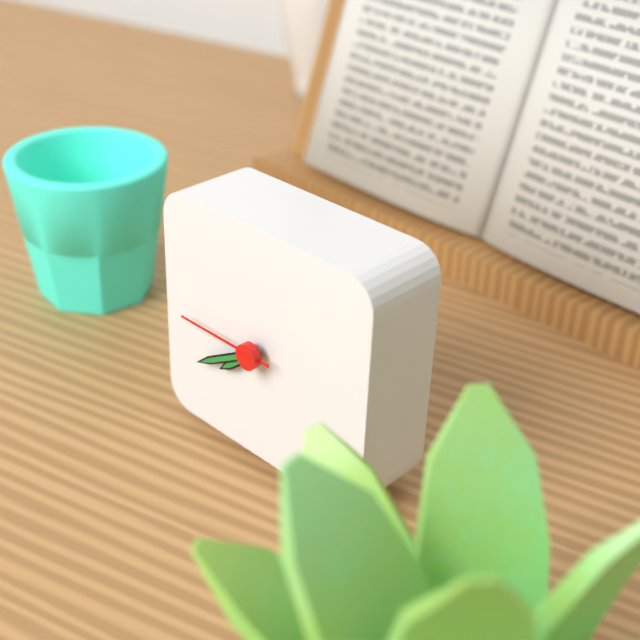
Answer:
7h40m45s
